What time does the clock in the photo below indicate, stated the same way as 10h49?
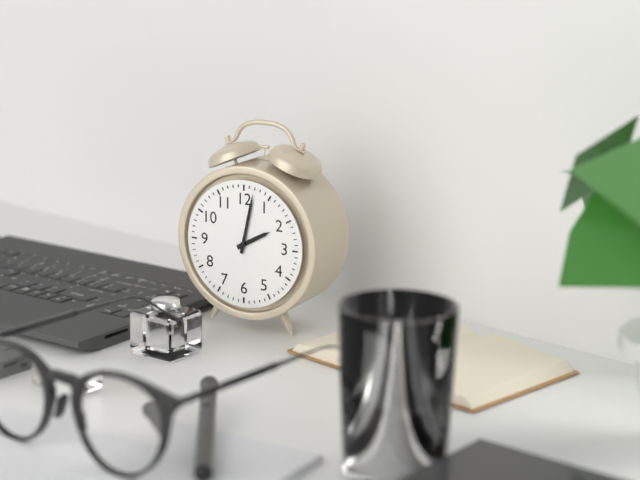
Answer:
2h02
